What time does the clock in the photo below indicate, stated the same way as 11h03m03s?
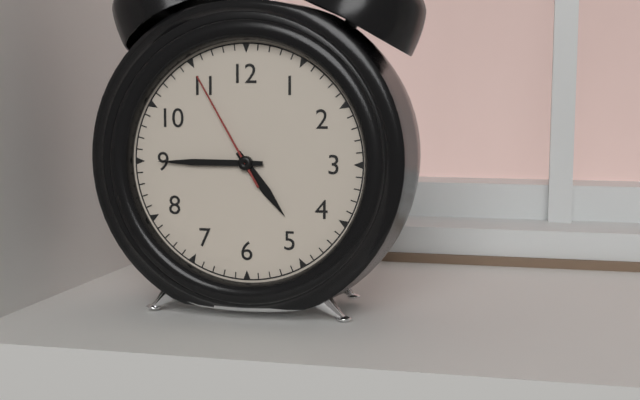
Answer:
4h45m55s
